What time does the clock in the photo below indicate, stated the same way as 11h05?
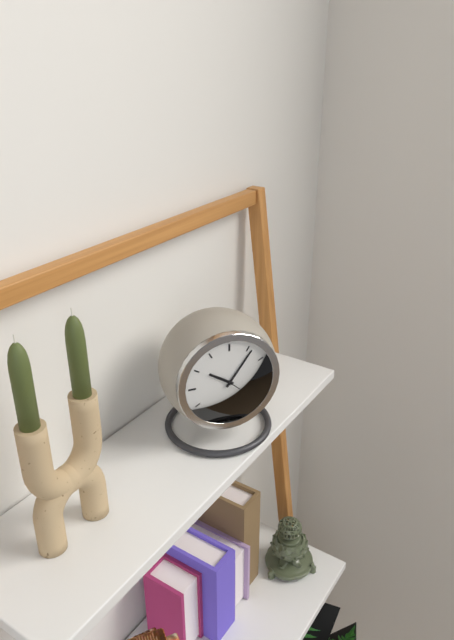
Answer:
10h06
